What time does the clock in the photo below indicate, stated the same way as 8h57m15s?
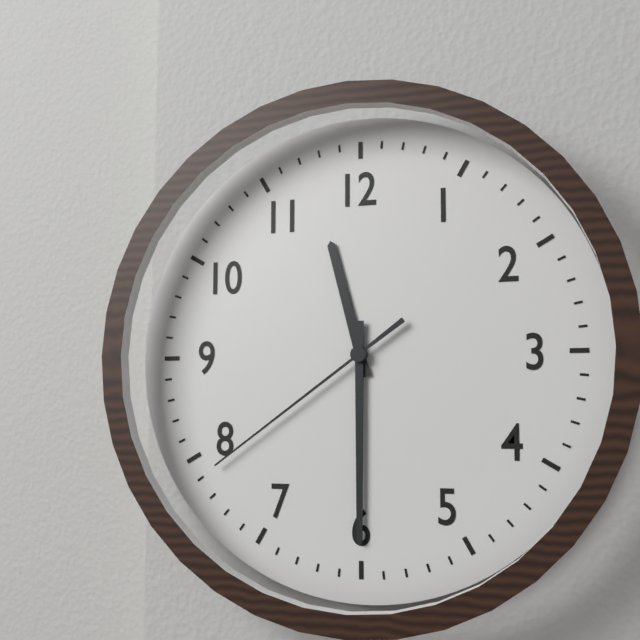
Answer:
11h30m39s
